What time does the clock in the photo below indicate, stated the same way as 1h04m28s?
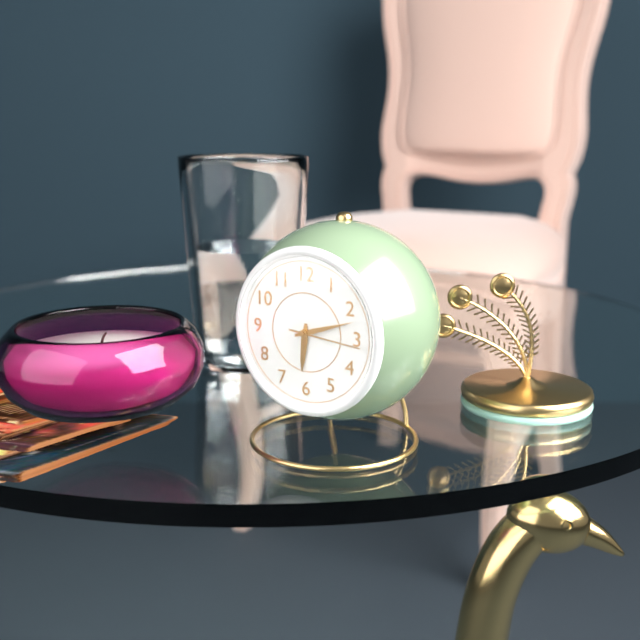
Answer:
6h12m16s
